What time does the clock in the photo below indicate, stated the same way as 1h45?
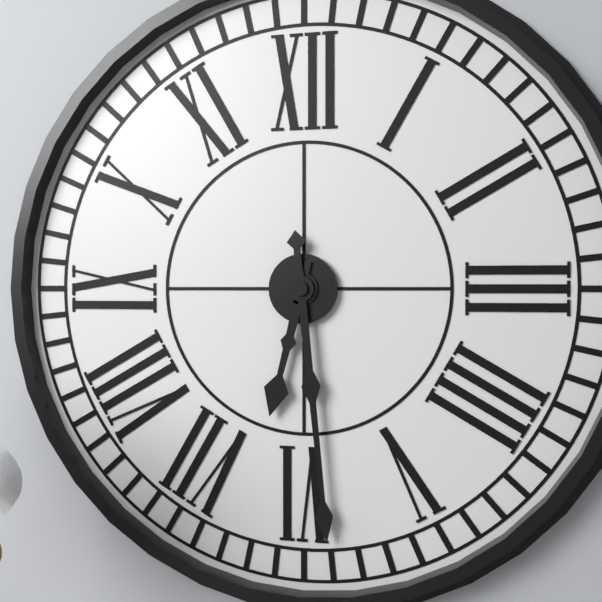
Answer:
6h29
